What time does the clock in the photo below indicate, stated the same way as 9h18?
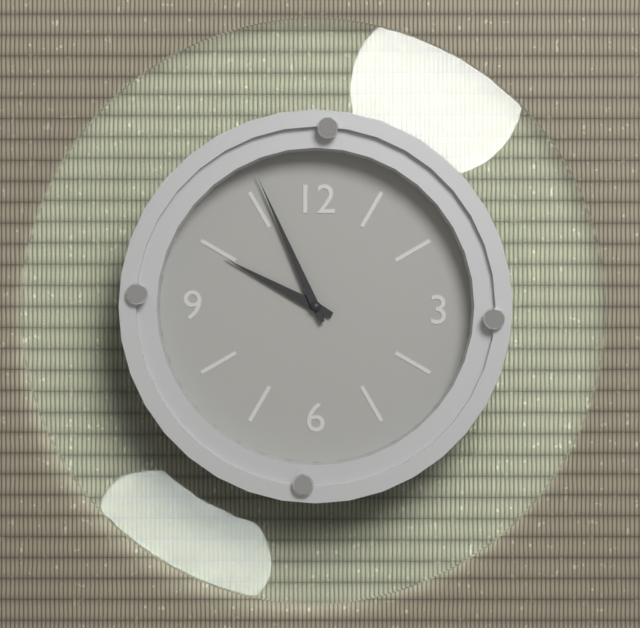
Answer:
9h56
